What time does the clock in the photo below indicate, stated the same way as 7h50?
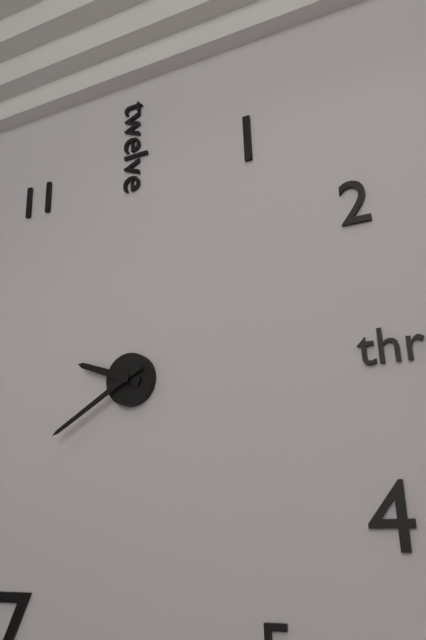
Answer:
9h40
